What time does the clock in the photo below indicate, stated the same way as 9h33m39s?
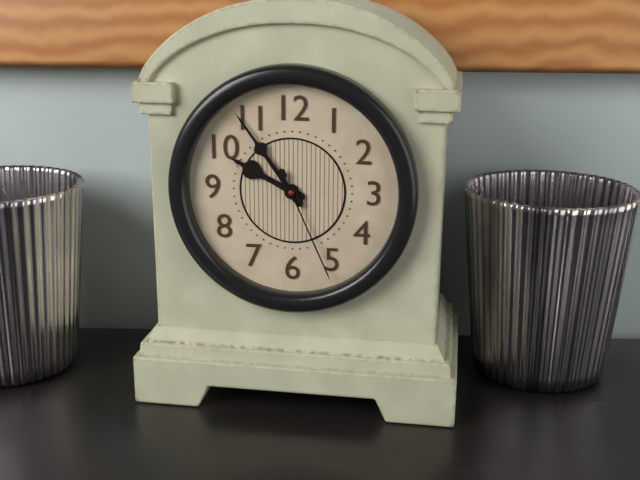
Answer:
9h54m26s
